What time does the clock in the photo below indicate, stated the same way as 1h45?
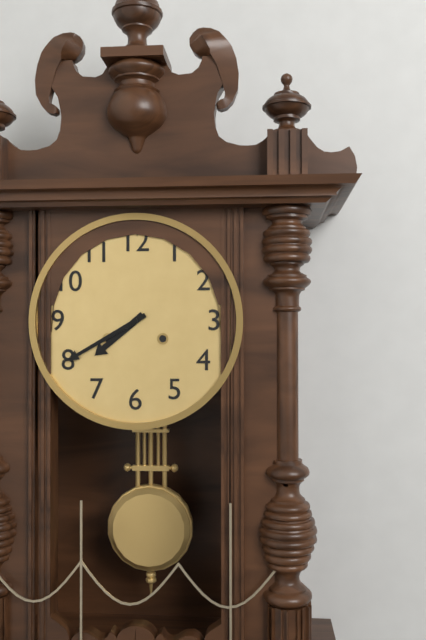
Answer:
7h40
